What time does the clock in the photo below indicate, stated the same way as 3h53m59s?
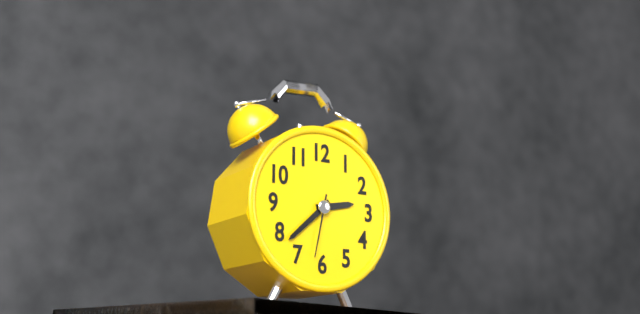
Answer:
2h38m32s
